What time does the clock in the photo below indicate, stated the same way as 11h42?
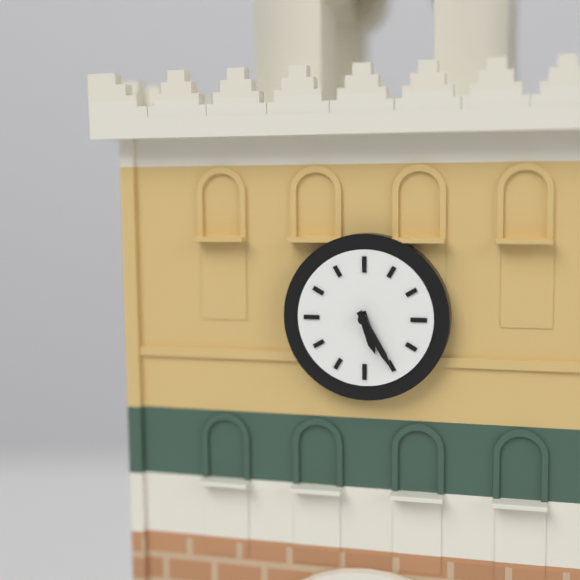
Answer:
5h25
